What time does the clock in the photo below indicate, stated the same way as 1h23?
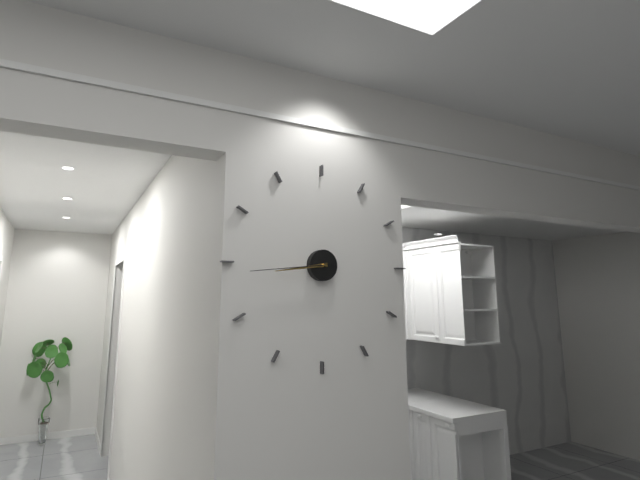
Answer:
8h44
